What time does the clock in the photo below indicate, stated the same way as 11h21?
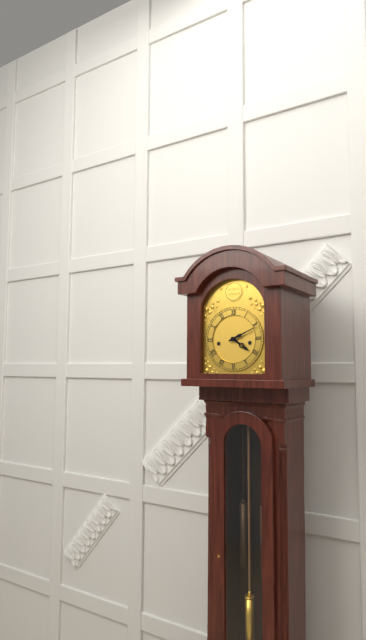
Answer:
4h11
